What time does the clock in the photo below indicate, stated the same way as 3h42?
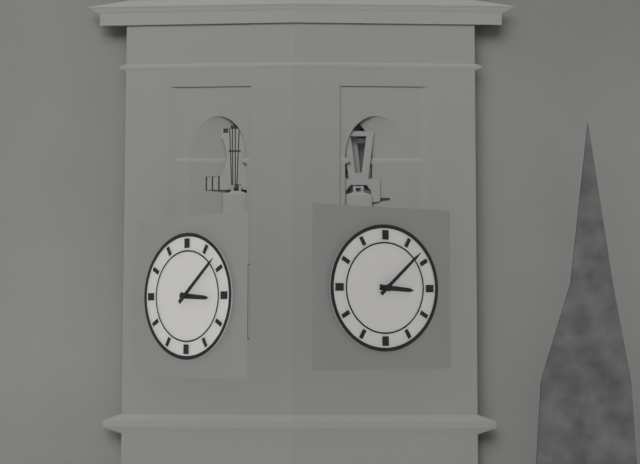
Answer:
3h08
